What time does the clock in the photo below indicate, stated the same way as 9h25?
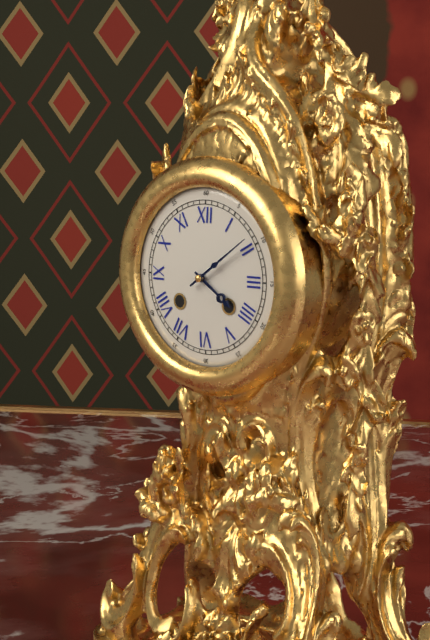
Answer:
4h09
